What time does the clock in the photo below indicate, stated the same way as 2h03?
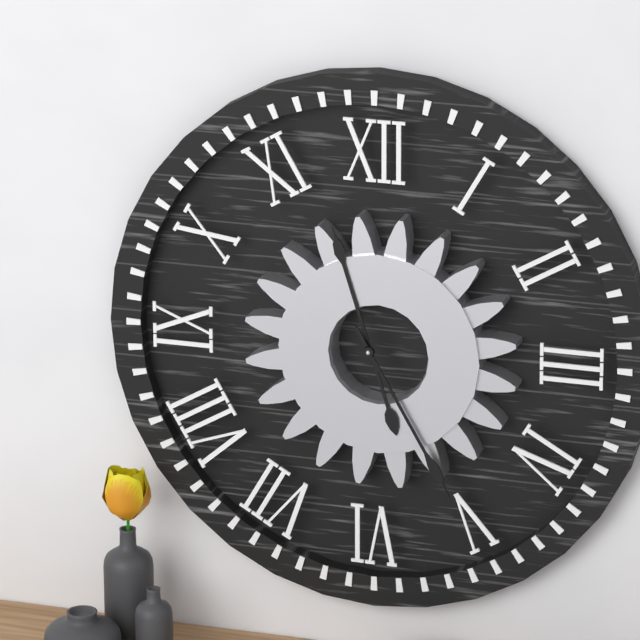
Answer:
11h25
